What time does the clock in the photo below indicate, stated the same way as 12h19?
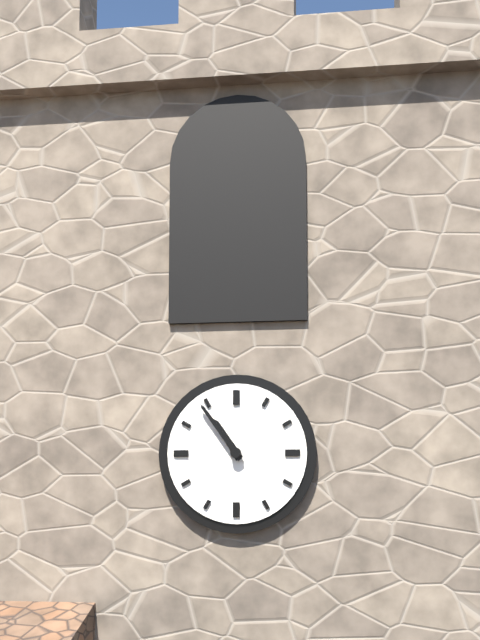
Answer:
10h54
